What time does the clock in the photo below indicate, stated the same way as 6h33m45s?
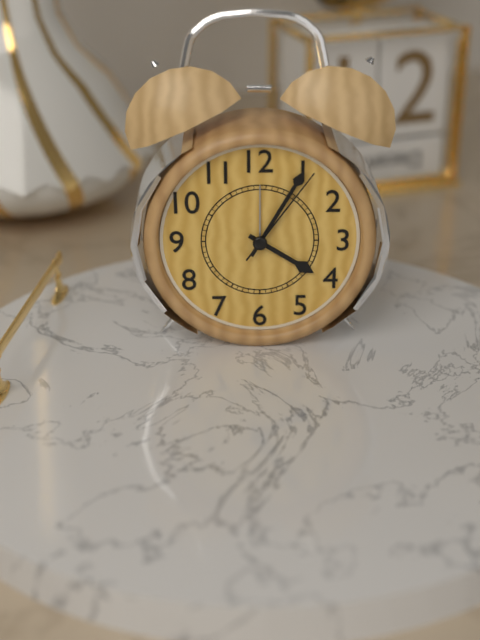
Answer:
4h05m06s
